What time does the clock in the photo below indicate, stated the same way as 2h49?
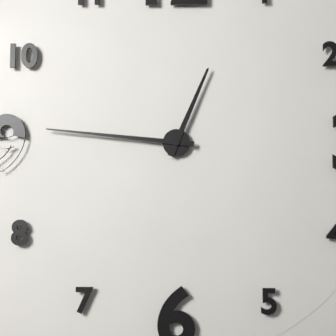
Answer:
12h46
